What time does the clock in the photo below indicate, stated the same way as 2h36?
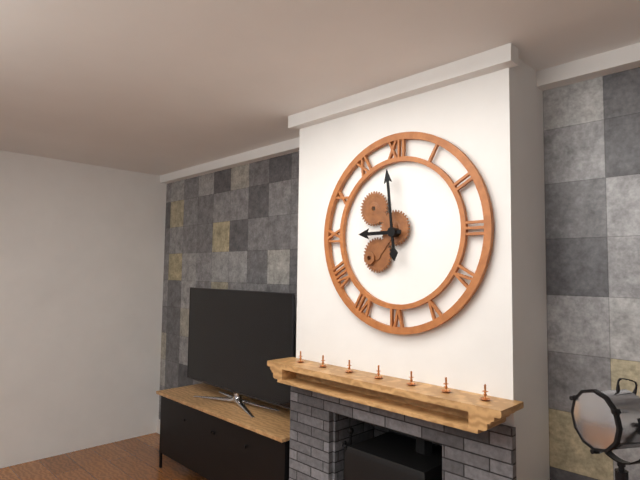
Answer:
8h59
